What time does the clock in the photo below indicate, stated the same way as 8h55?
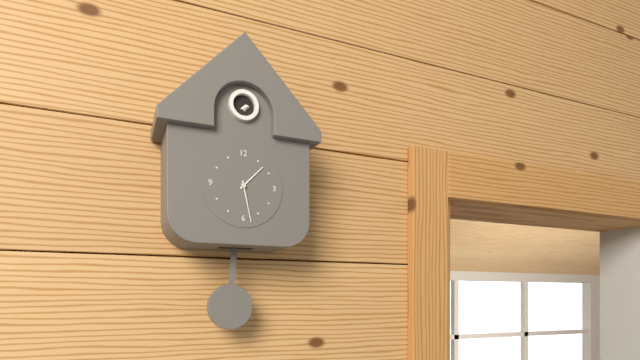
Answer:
1h28
